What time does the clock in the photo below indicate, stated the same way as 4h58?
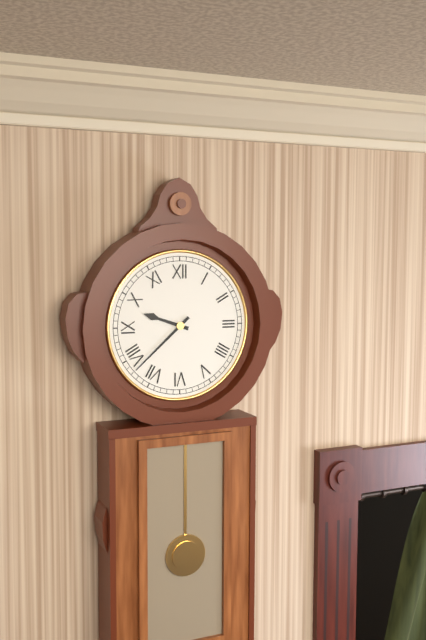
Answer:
9h38
